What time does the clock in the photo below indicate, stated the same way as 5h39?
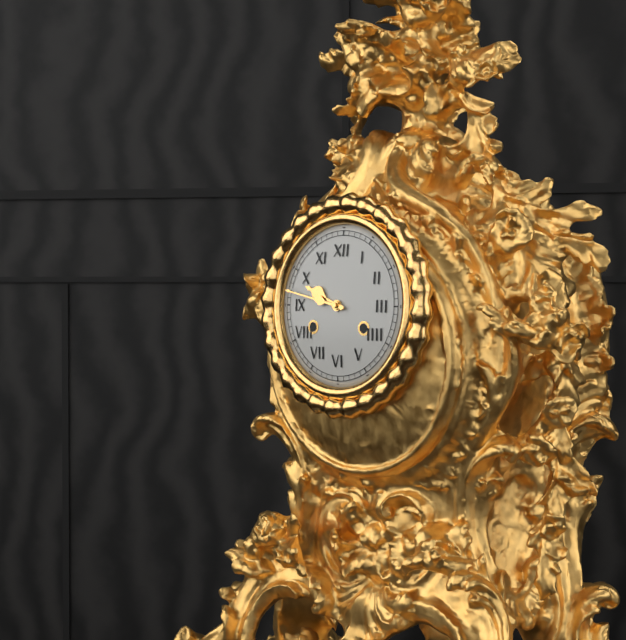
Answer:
9h47
